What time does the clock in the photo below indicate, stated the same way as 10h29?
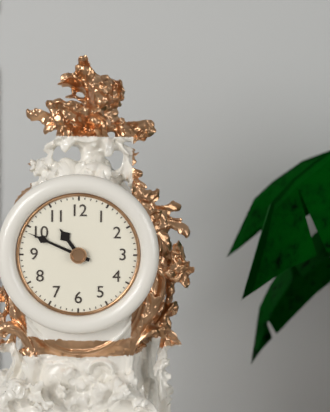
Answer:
10h49
